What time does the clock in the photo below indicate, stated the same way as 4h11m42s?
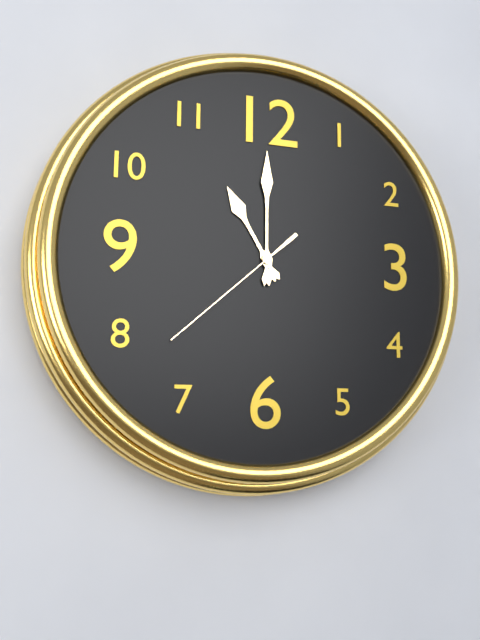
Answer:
11h00m38s
